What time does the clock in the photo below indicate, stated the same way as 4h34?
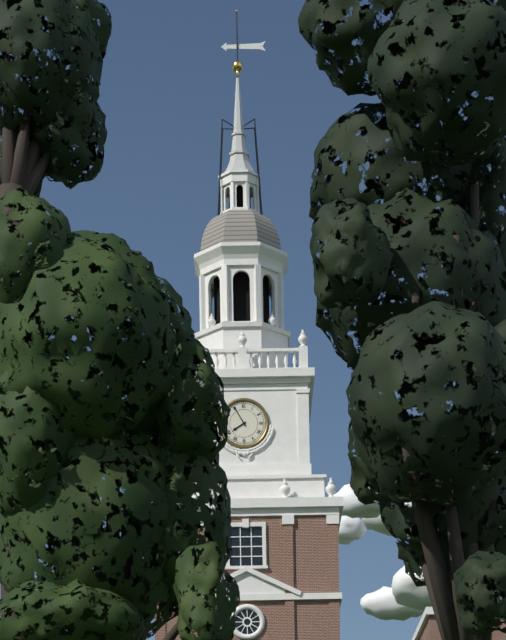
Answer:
7h55
